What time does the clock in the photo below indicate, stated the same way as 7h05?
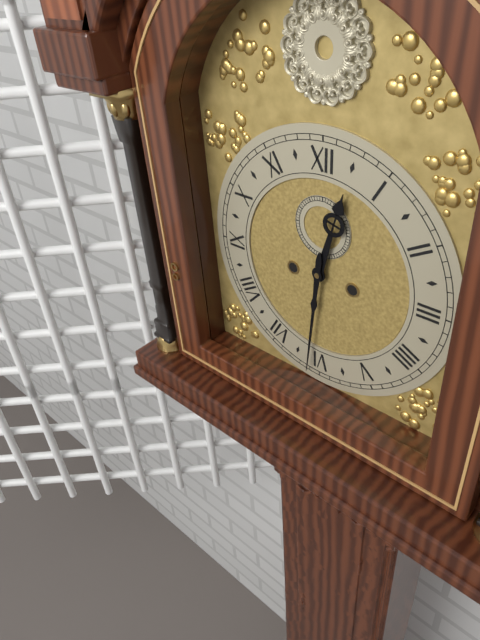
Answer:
12h31
